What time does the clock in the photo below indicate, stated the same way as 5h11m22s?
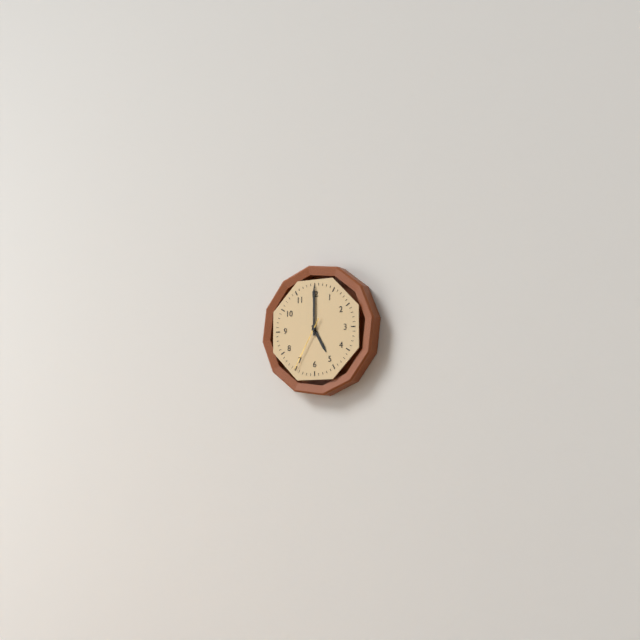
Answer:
5h00m35s
